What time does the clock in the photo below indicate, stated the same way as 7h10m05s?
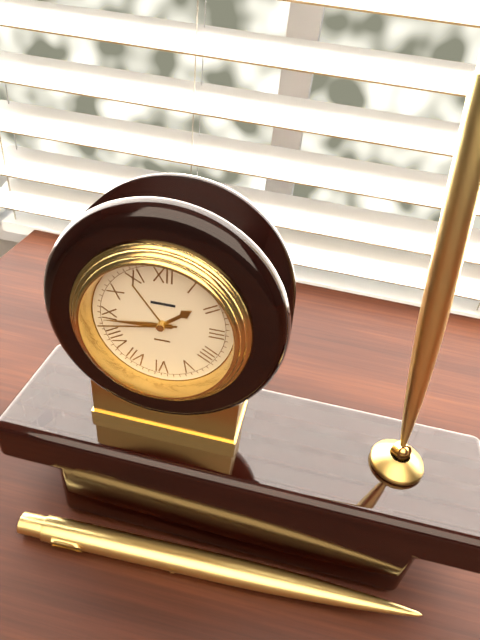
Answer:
1h44m43s
